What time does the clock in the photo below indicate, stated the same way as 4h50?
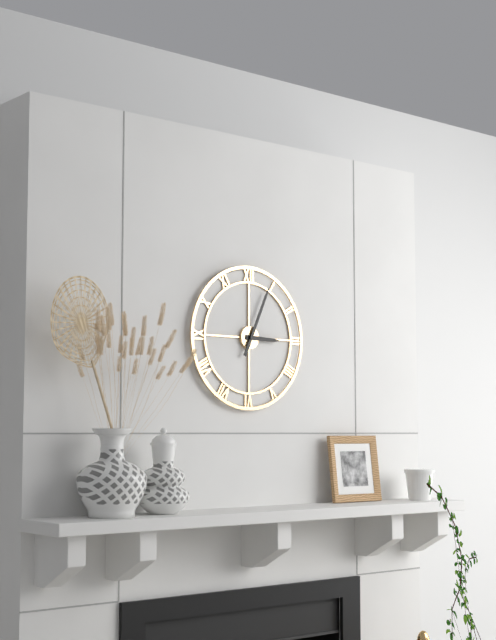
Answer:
3h04
